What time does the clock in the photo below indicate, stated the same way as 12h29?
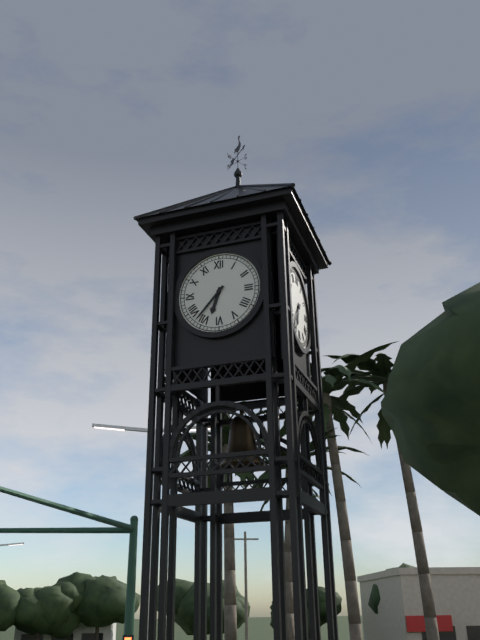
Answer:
6h37
